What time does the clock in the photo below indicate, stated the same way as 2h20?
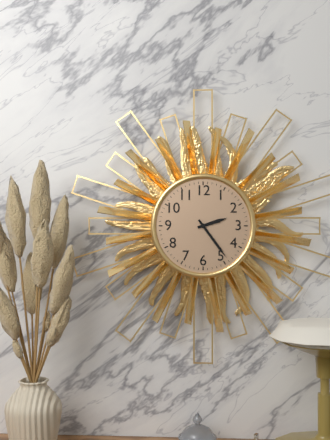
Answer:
2h24
